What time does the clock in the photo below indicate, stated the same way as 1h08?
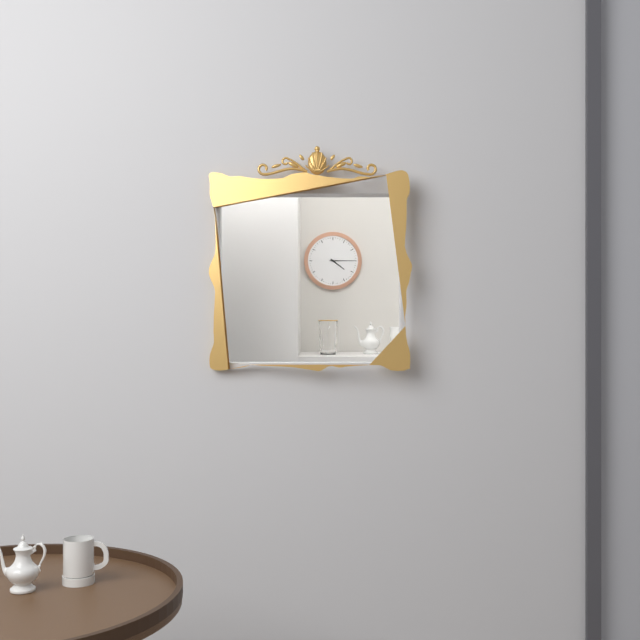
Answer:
4h15
